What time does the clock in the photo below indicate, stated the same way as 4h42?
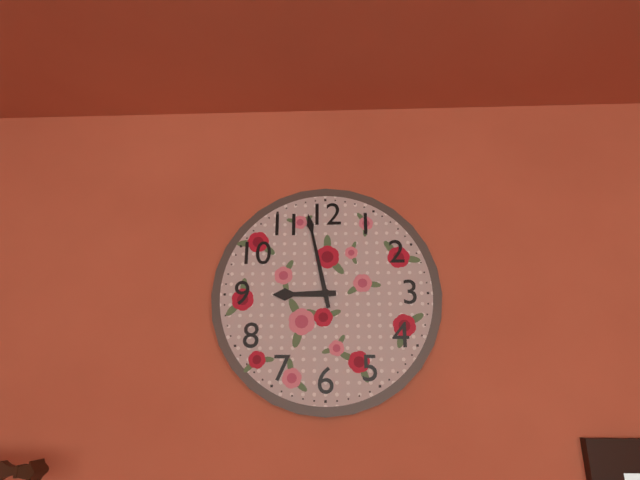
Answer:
8h58
